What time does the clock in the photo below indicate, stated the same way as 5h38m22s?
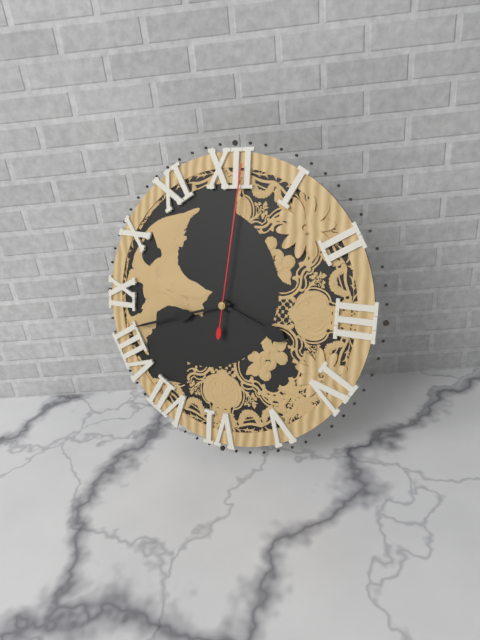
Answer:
3h42m01s
